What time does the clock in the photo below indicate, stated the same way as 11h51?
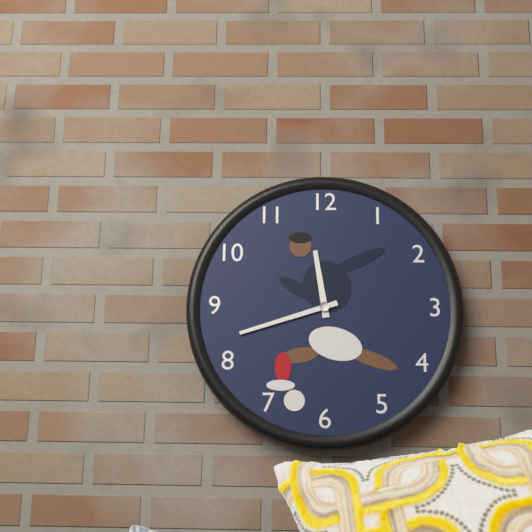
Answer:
11h42
